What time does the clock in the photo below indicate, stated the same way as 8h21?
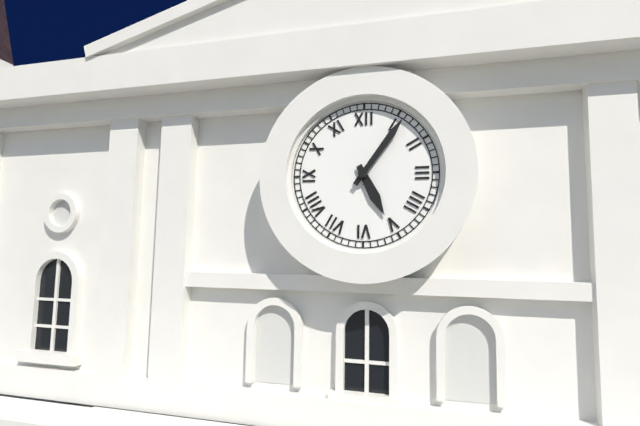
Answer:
5h06
